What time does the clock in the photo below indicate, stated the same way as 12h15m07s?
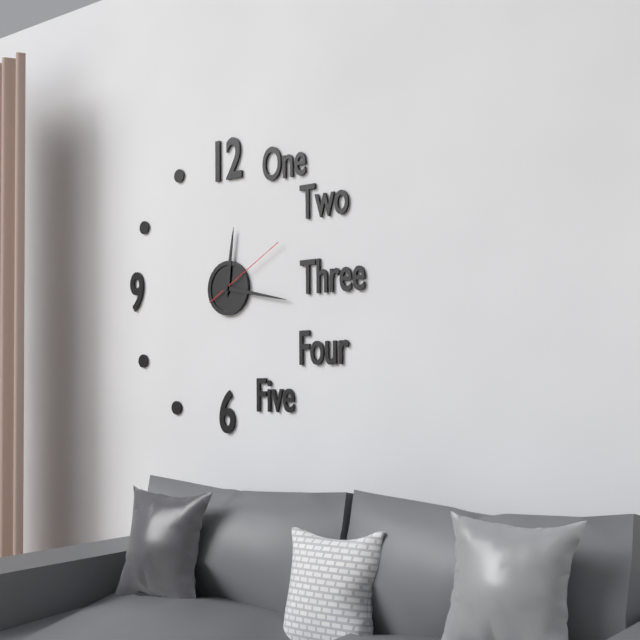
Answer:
12h17m10s
